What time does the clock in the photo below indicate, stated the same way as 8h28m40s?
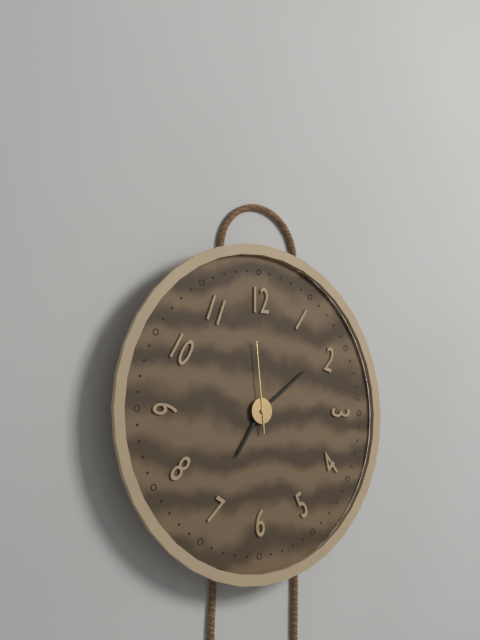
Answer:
7h09m59s
